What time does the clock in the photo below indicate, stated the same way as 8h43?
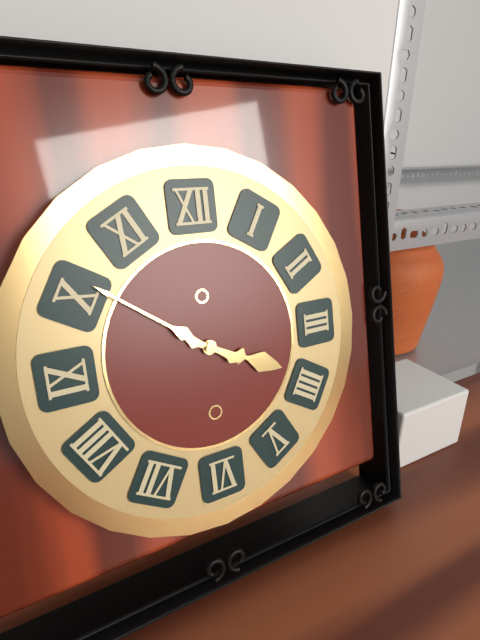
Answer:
3h51
